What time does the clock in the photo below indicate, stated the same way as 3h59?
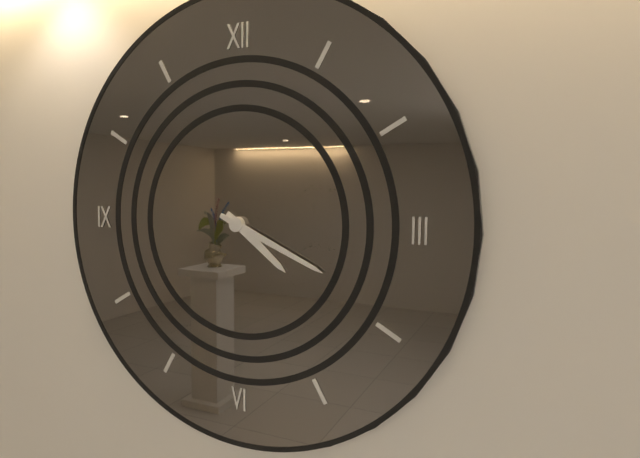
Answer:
4h19
